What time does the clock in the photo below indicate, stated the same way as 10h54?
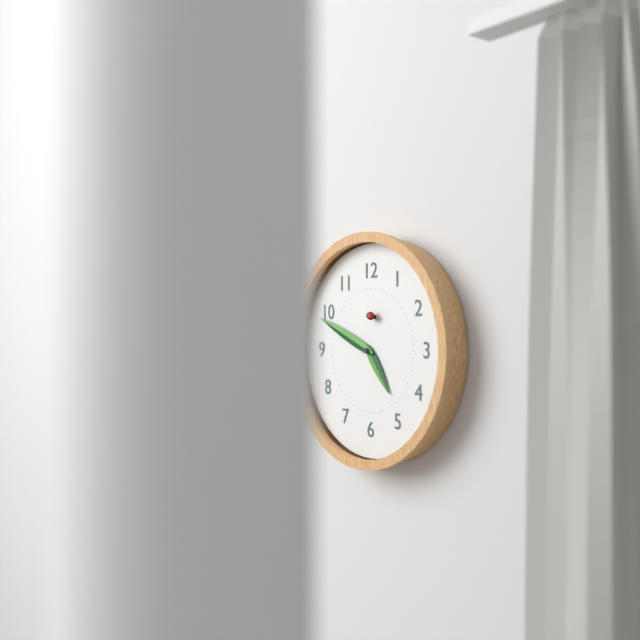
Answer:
4h49
